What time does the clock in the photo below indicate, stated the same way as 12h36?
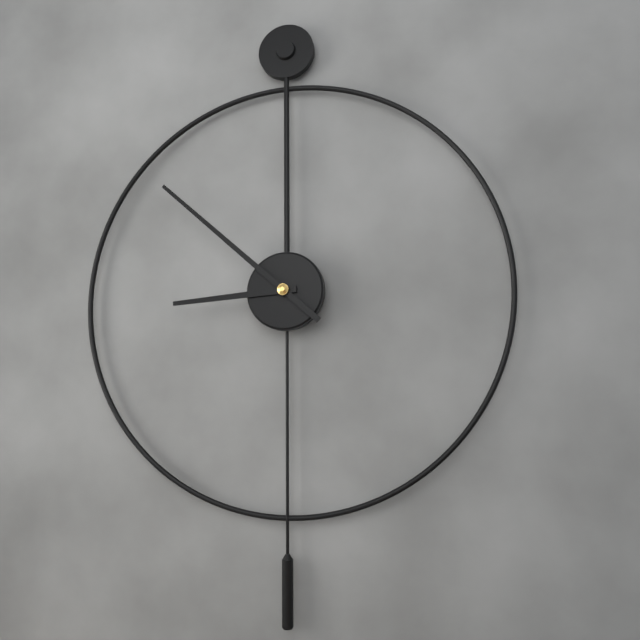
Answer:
8h52
